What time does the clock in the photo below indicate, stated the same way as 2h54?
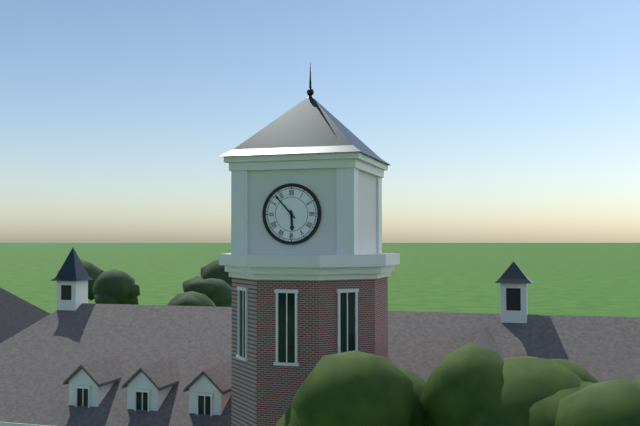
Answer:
5h53
